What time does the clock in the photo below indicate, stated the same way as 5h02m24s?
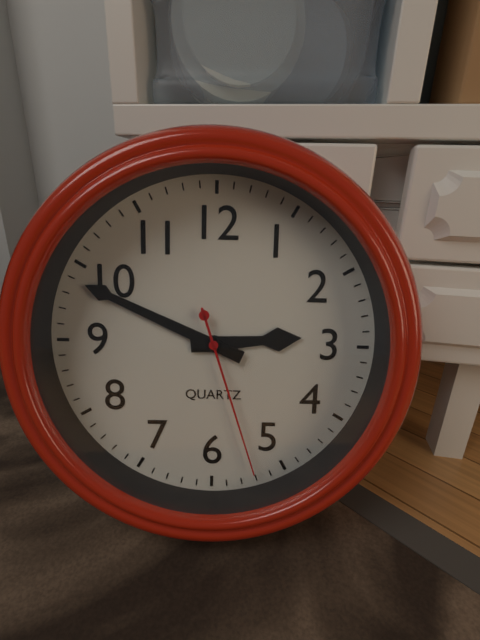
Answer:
2h49m27s
